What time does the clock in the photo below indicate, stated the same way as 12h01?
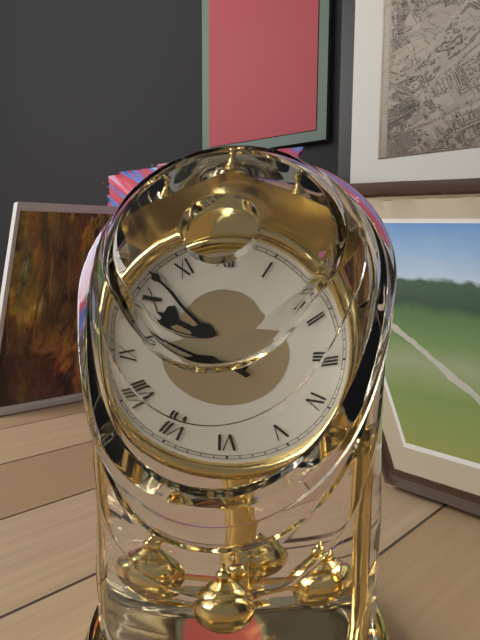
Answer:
9h52
